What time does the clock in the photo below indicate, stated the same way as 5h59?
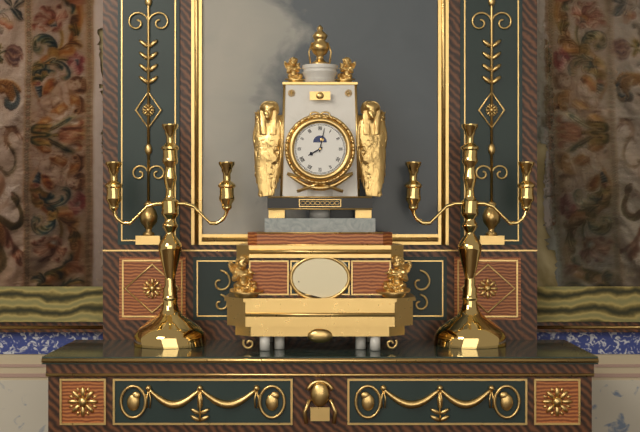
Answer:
8h02
